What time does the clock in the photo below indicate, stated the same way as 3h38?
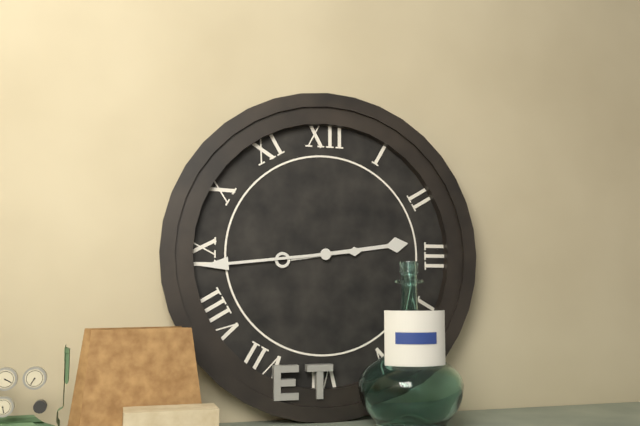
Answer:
2h44
